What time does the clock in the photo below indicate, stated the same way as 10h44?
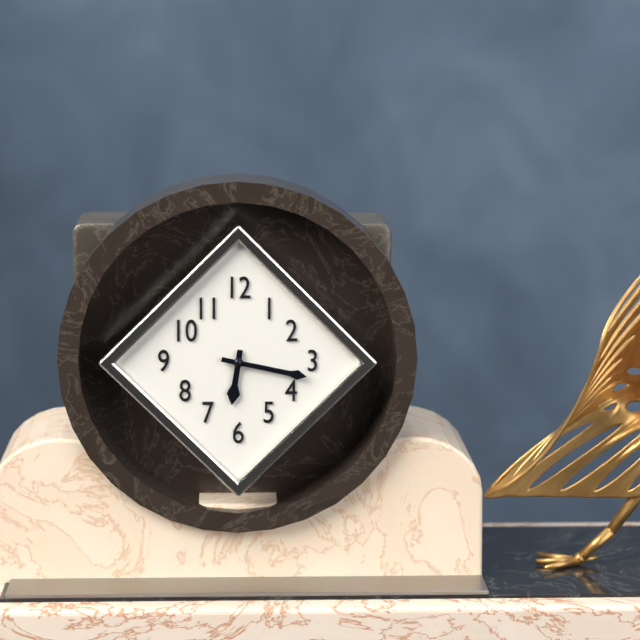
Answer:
6h17
